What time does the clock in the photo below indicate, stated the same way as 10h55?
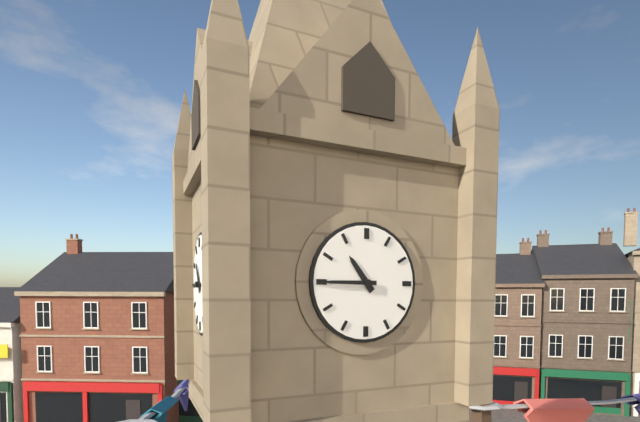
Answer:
10h45
